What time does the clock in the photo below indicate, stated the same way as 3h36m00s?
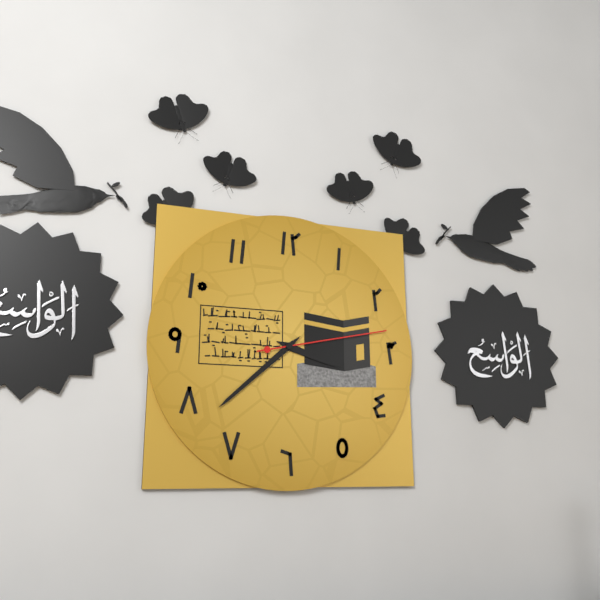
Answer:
3h38m13s
